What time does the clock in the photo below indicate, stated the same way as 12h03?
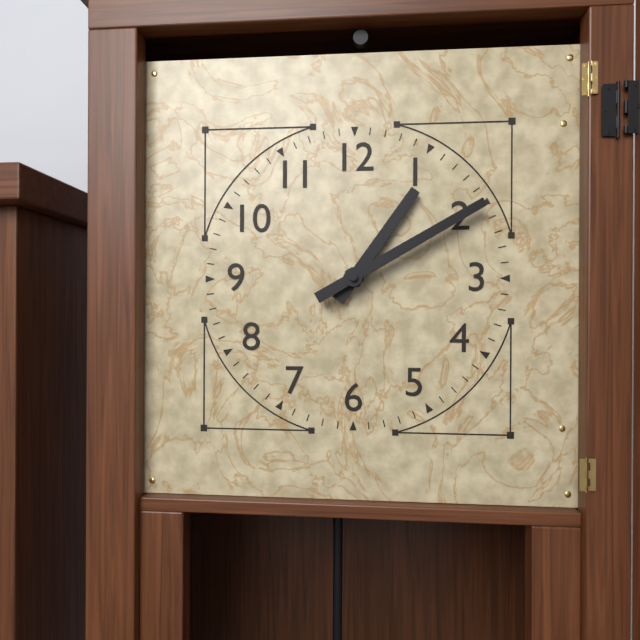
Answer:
1h10
